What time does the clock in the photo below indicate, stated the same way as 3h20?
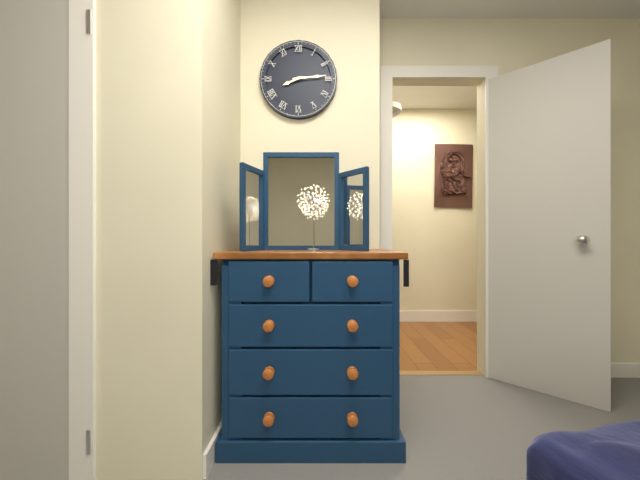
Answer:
8h14
